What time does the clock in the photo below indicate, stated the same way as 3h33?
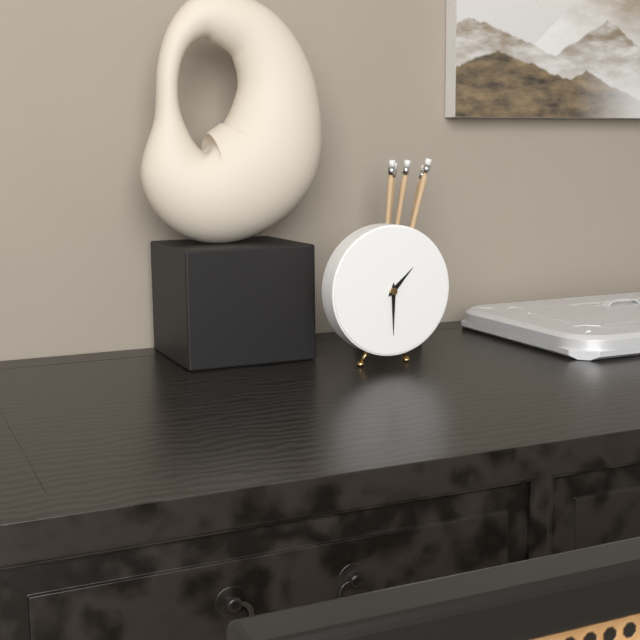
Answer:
1h30
